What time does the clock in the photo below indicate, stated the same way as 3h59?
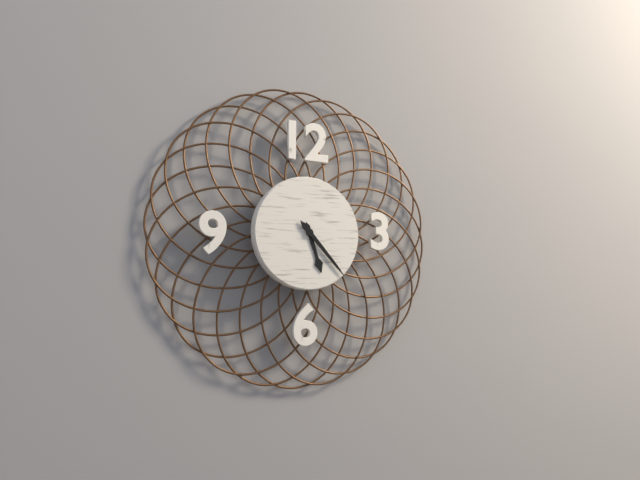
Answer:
5h23
